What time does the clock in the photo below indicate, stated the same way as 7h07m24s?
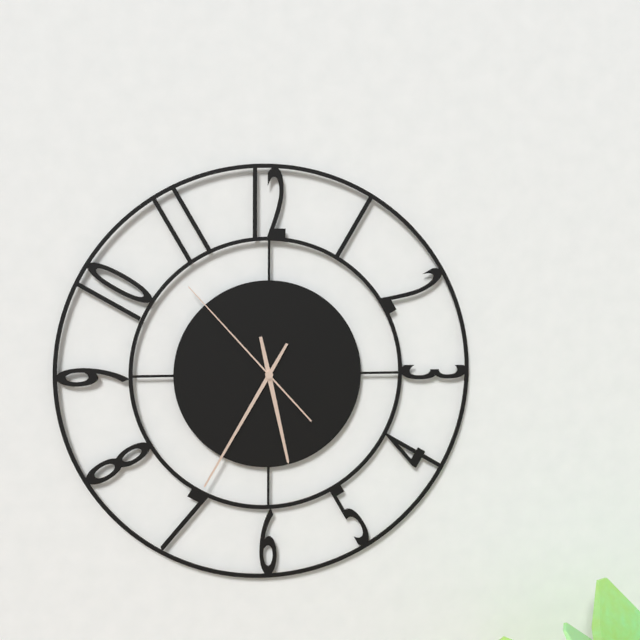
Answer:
5h35m53s
